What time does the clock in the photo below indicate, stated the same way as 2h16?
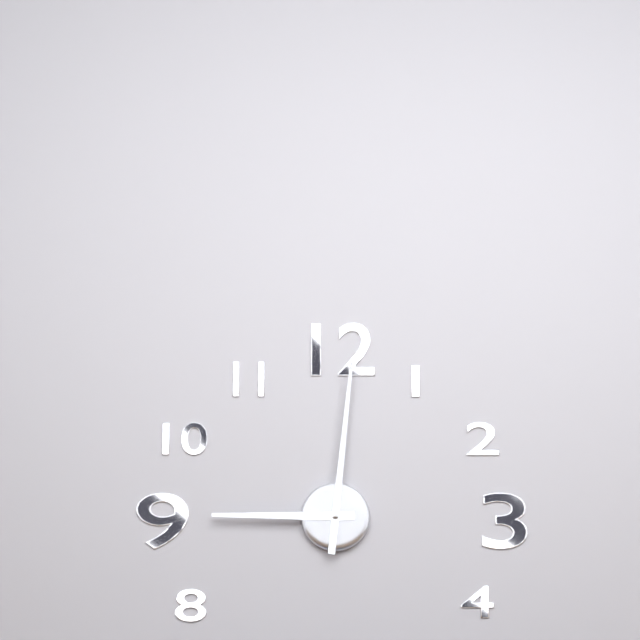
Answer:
9h01
